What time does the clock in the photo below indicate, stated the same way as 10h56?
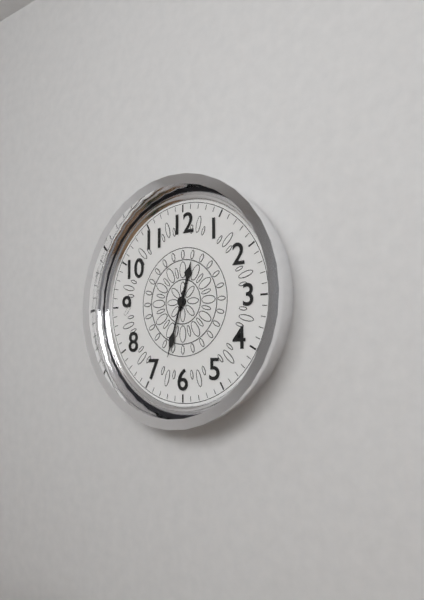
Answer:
12h33
